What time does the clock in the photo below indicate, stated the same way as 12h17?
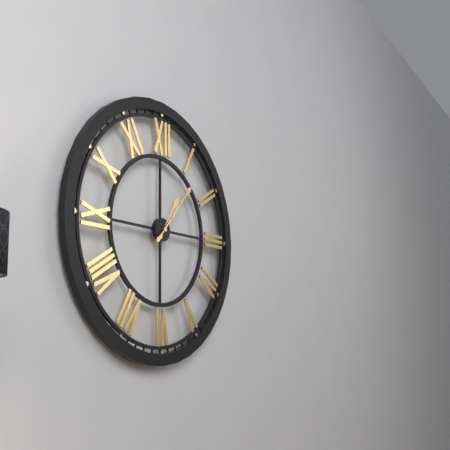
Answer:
1h07
